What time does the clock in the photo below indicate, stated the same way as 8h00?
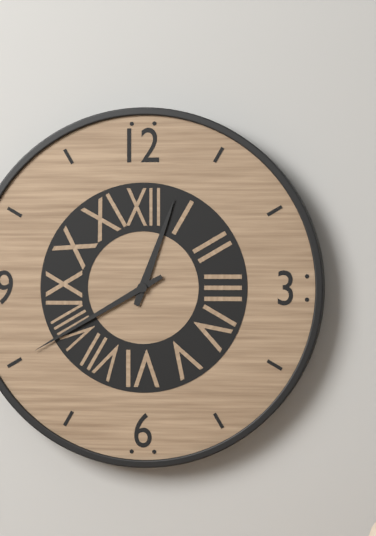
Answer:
12h40
